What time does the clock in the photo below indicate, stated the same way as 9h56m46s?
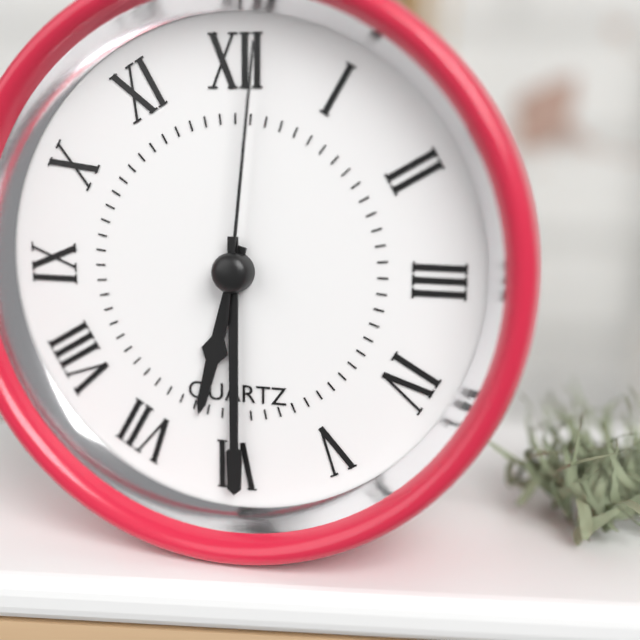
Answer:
6h30m01s
